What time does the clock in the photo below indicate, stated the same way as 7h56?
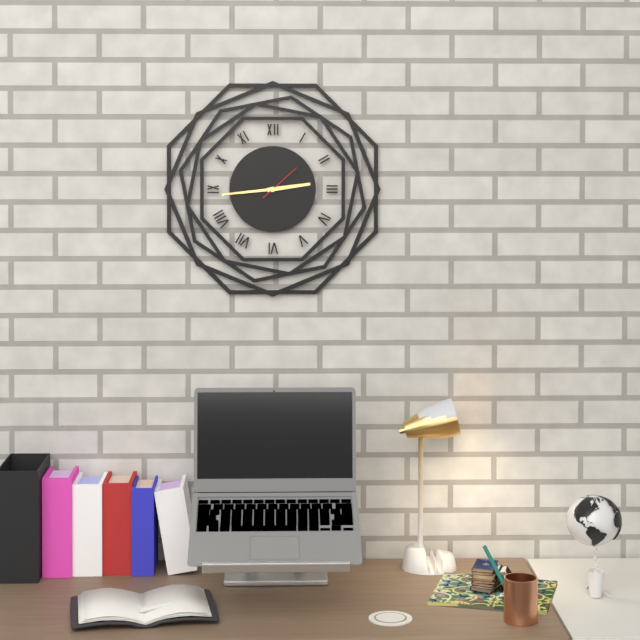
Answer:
2h44
